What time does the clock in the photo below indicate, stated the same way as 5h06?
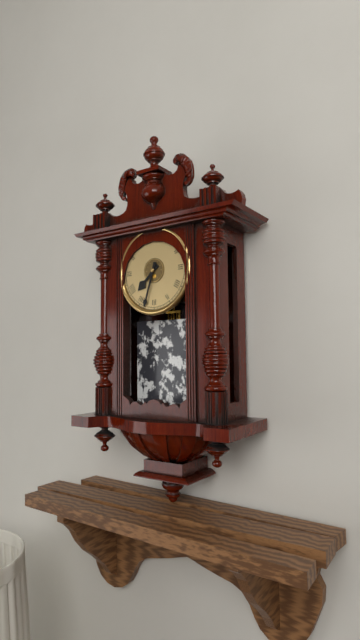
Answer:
7h33
